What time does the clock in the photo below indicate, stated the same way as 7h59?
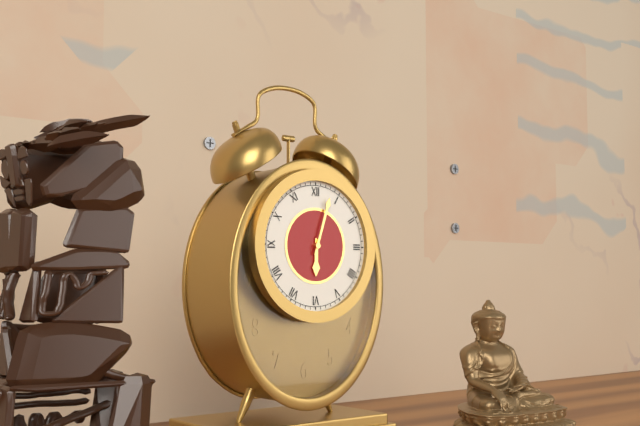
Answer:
6h03
